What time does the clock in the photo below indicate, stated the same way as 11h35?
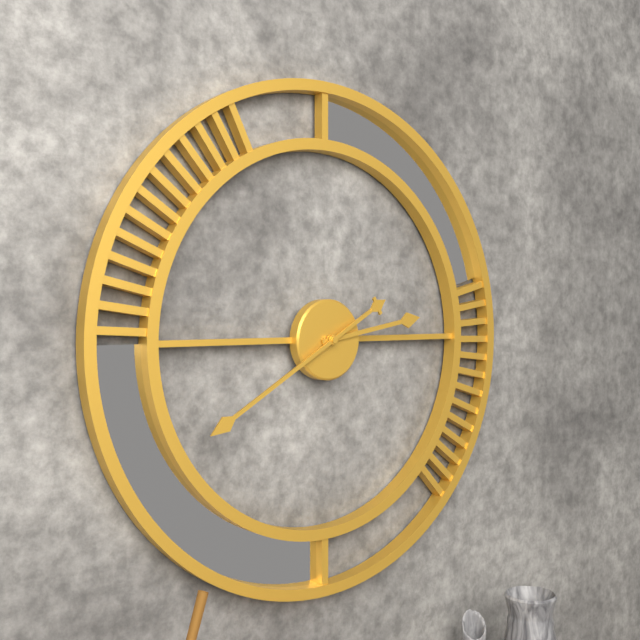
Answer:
2h40
